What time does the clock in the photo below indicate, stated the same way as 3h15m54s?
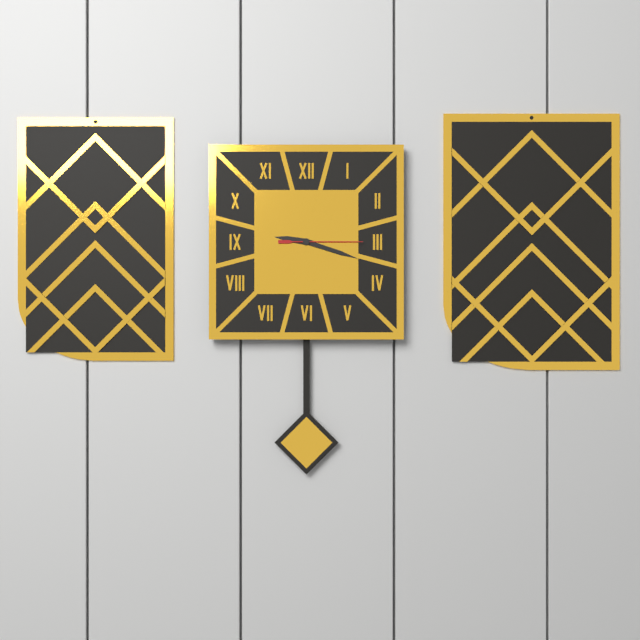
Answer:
9h18m15s
